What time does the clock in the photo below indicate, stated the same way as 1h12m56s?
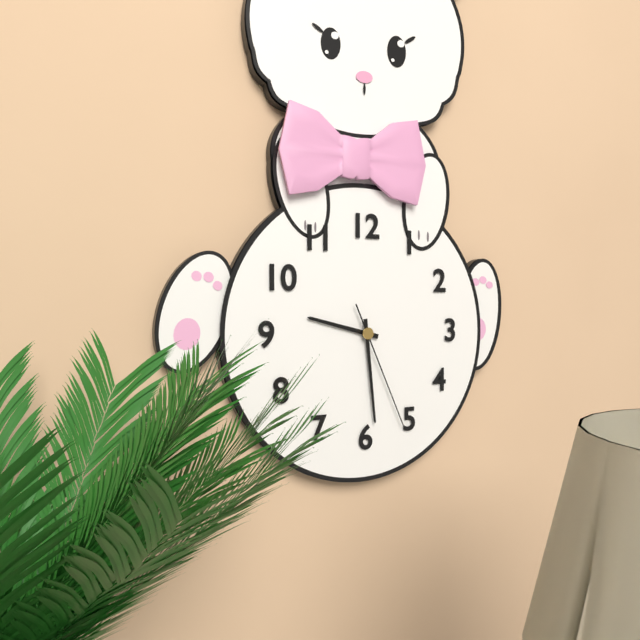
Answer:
9h29m26s
